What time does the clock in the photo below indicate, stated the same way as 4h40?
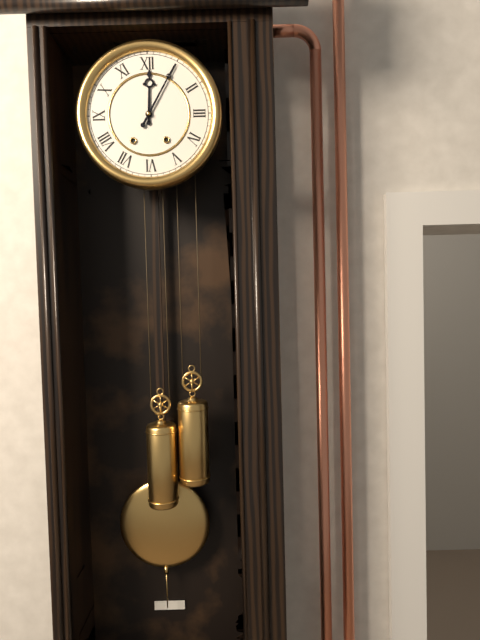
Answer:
12h05
